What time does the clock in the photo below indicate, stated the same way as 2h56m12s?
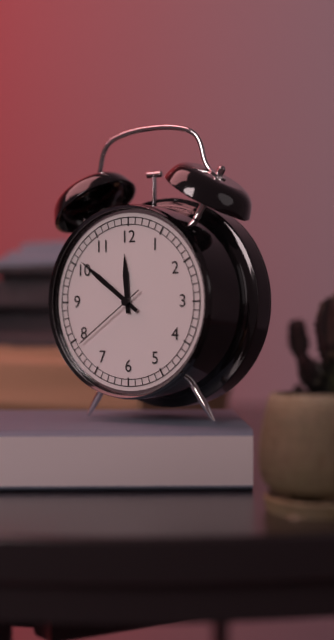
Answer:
11h51m39s
